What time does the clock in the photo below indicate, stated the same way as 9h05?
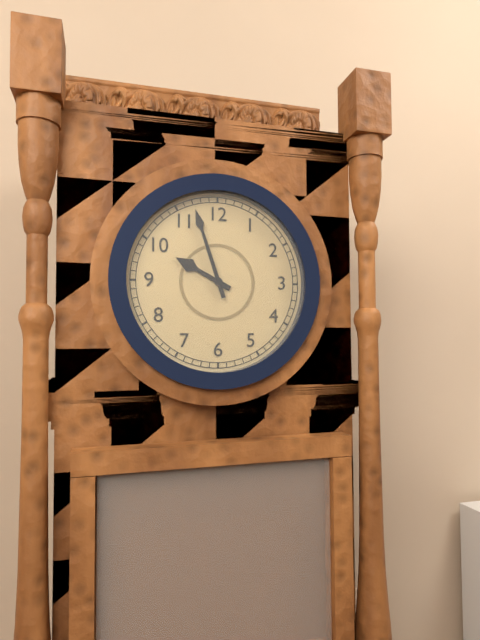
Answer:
9h57
